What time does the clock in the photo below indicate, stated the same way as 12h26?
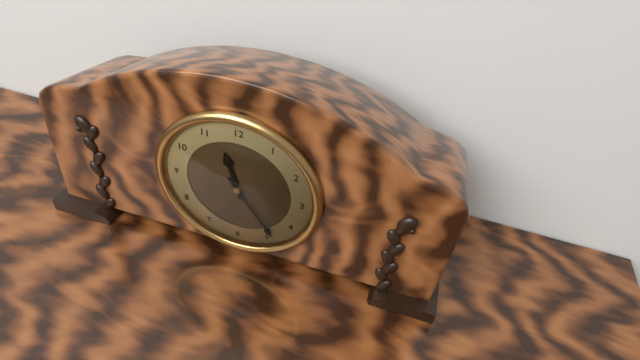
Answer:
11h24
